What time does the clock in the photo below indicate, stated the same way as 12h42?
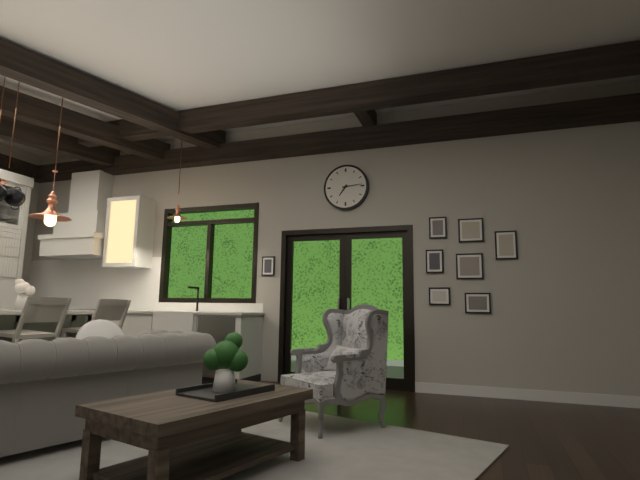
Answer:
7h14
